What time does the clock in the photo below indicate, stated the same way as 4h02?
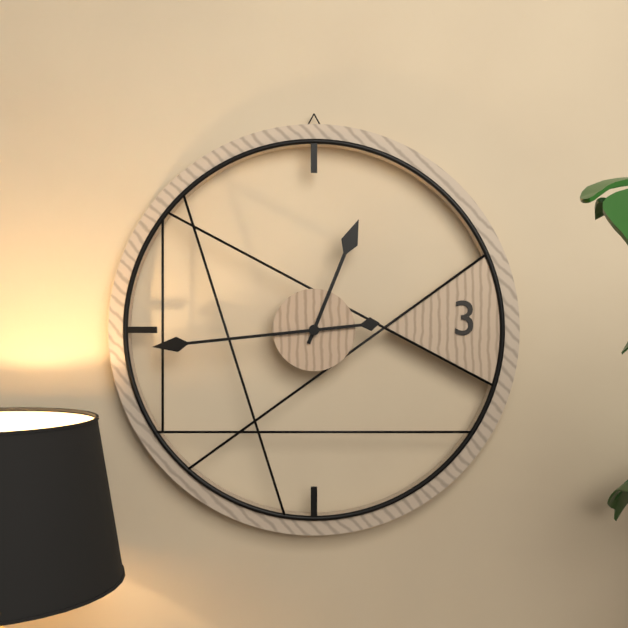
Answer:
12h44
